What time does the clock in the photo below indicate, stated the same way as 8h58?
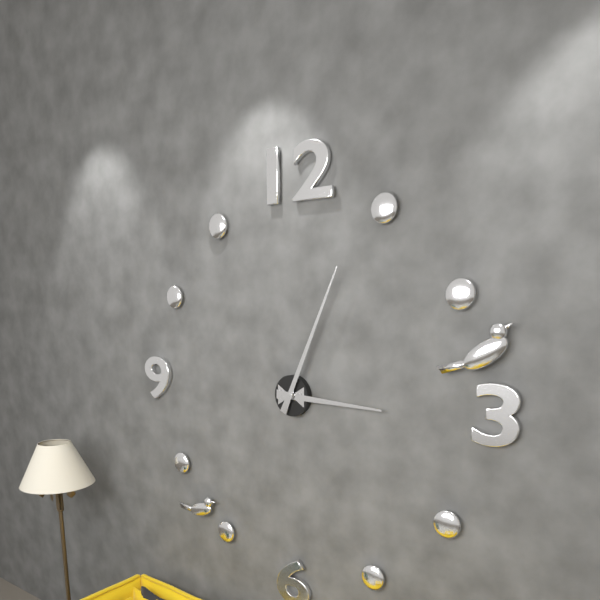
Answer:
3h04
